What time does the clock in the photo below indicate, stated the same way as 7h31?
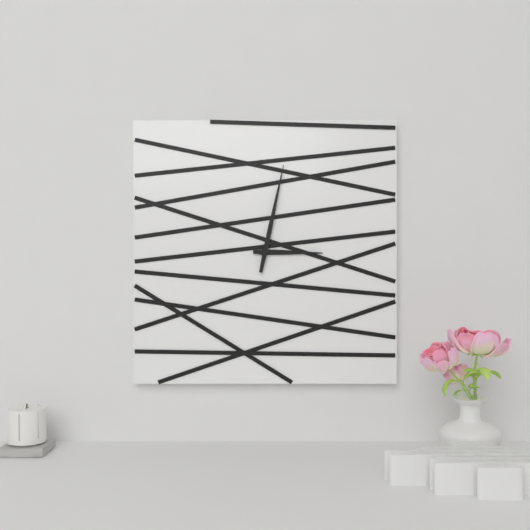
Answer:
3h02
